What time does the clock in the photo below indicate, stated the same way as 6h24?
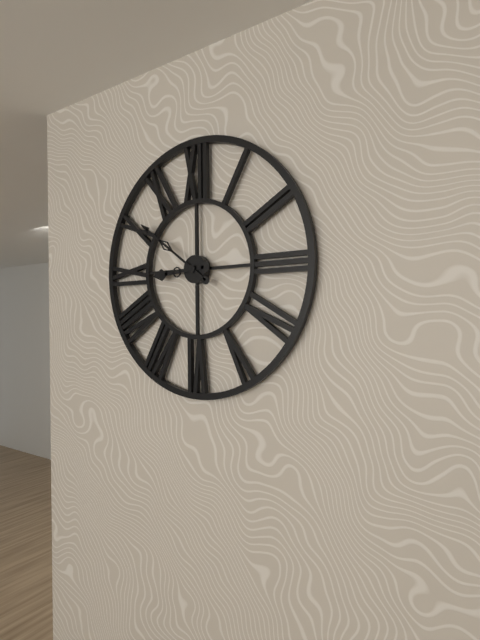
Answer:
8h51
